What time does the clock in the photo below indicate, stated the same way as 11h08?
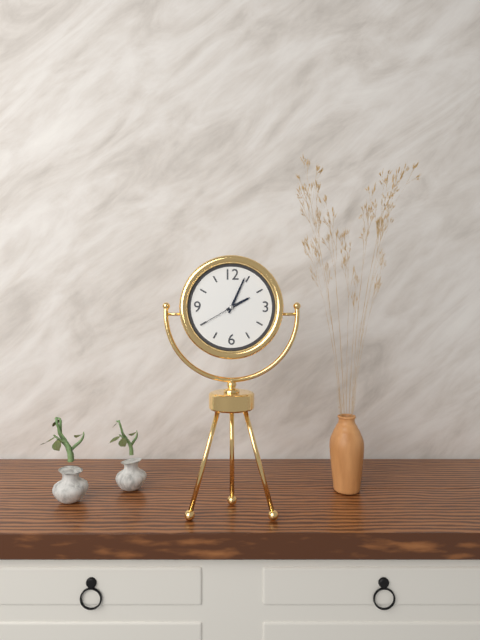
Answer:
2h04
